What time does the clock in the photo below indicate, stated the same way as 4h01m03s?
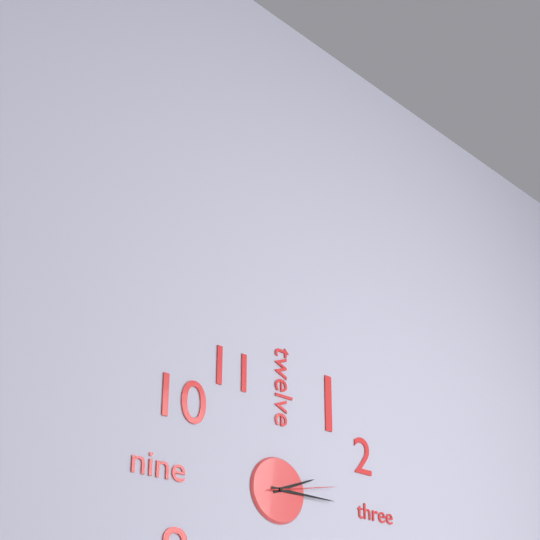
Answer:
2h15m13s
